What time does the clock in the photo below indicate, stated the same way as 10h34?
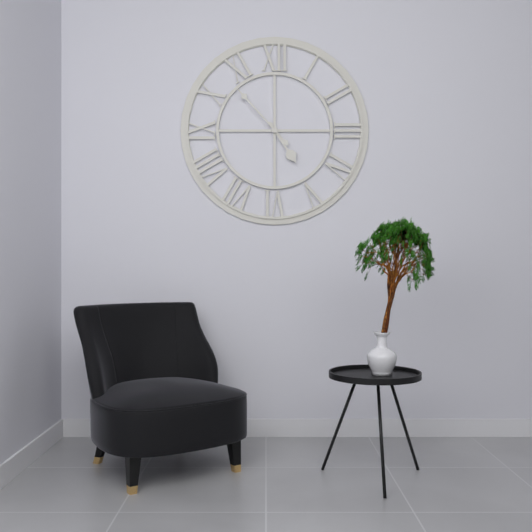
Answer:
4h53
